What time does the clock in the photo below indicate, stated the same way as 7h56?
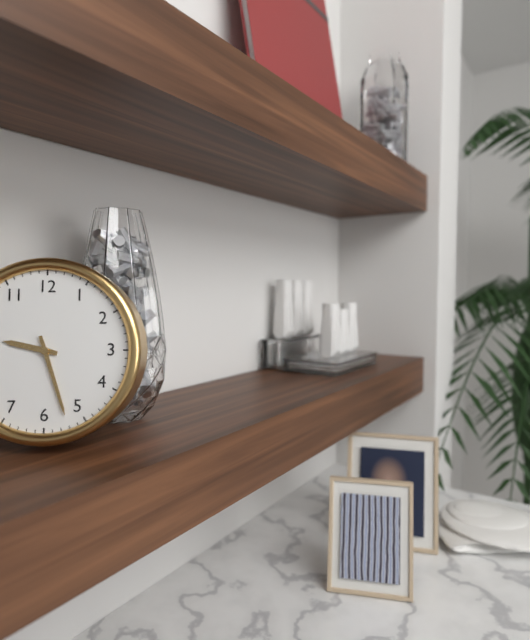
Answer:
9h27
